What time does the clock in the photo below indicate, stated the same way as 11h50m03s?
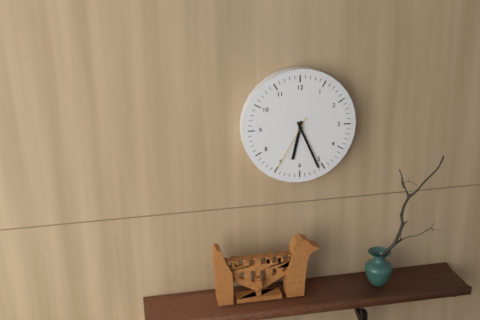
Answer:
6h26m35s
